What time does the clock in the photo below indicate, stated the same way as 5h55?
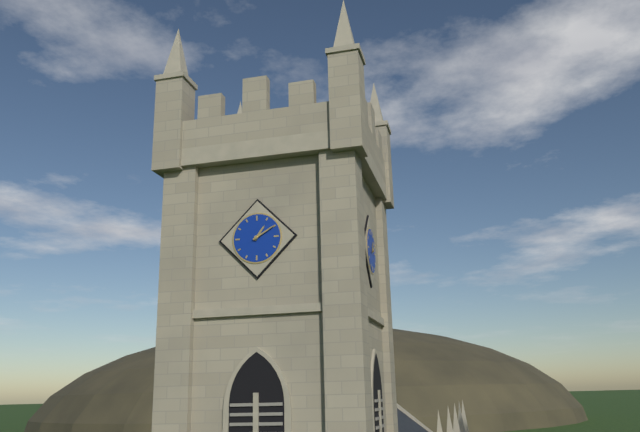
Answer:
1h10
